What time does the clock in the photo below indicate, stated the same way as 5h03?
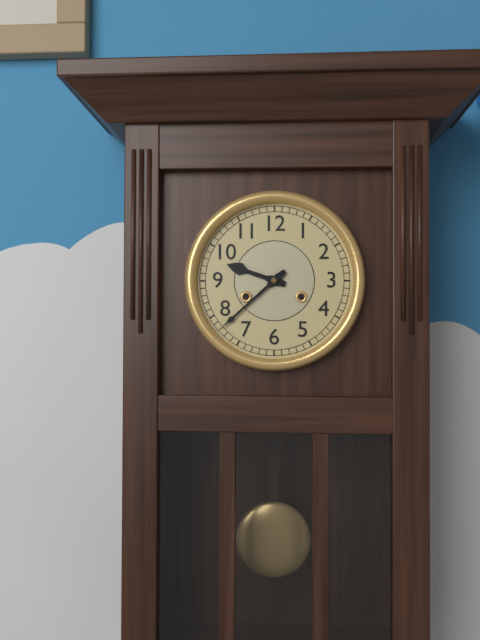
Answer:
9h38
